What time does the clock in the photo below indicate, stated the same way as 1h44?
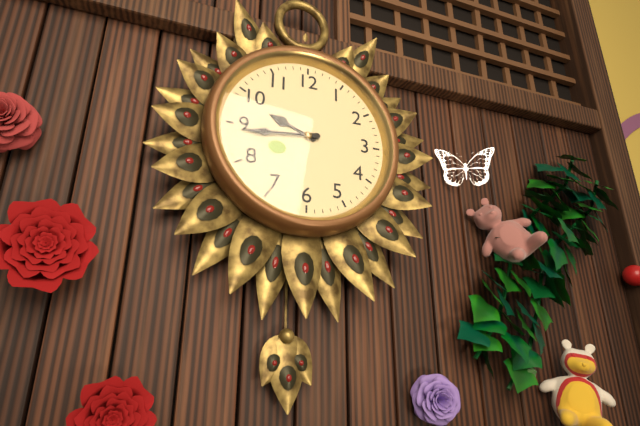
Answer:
9h44
